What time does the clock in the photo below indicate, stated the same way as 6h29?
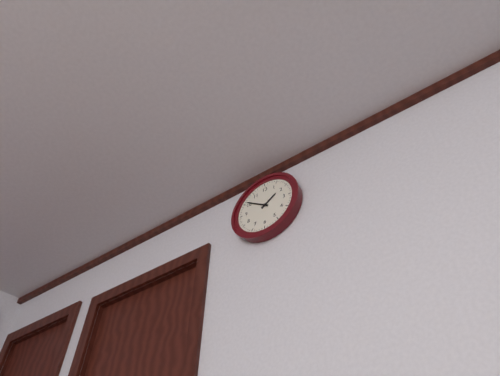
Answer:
1h51
